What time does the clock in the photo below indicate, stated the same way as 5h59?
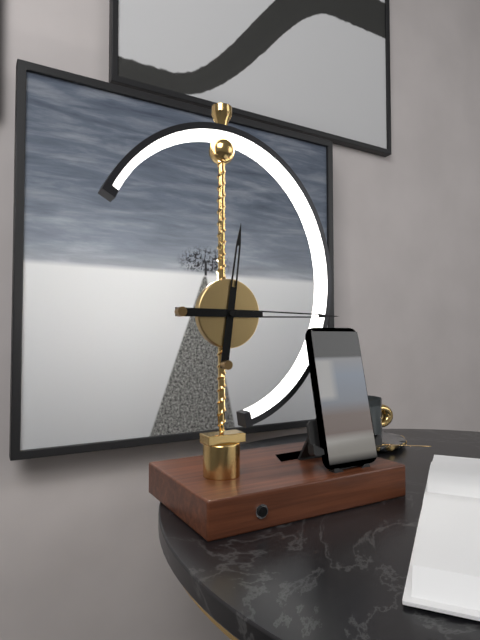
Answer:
12h15
